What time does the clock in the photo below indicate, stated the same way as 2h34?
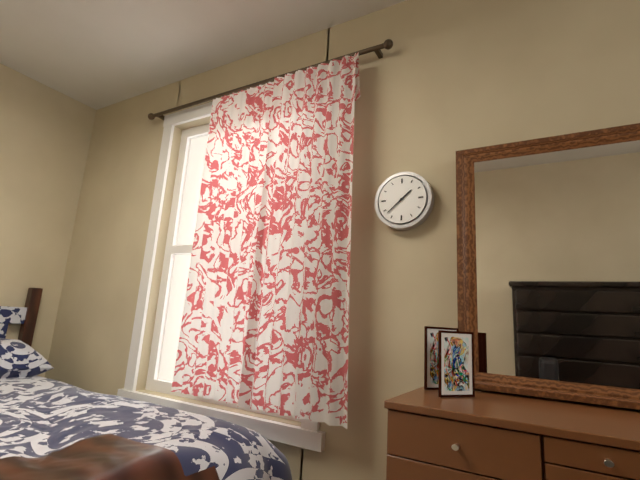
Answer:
1h38
